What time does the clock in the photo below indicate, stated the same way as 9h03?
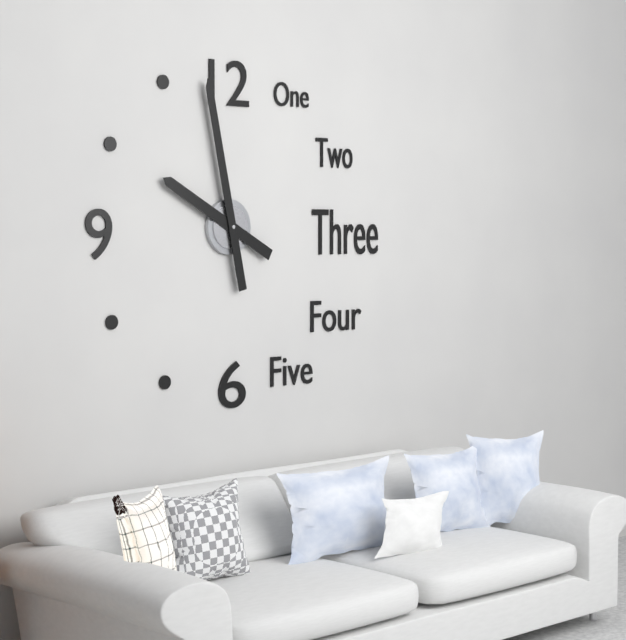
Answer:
9h58
